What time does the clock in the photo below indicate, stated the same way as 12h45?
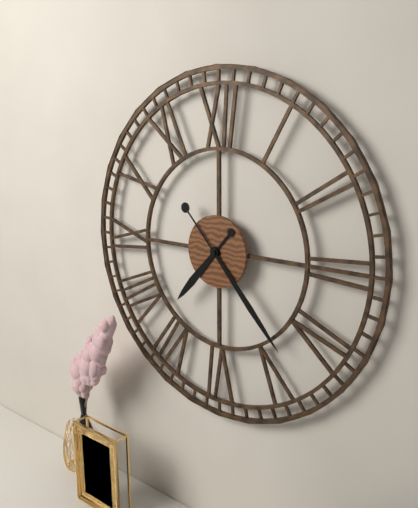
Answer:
7h23
